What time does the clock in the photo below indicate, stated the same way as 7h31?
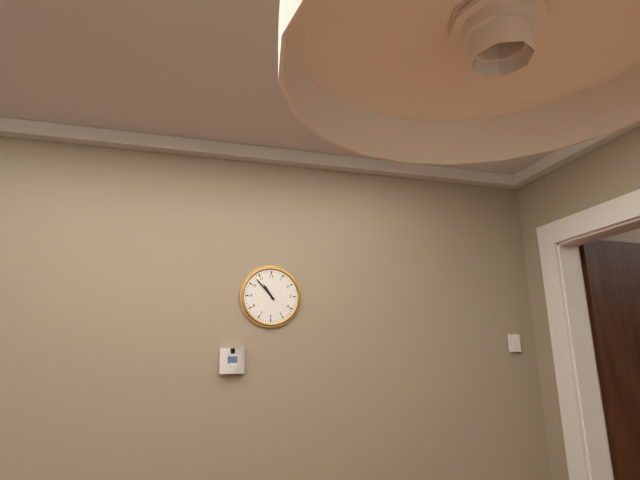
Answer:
10h53
